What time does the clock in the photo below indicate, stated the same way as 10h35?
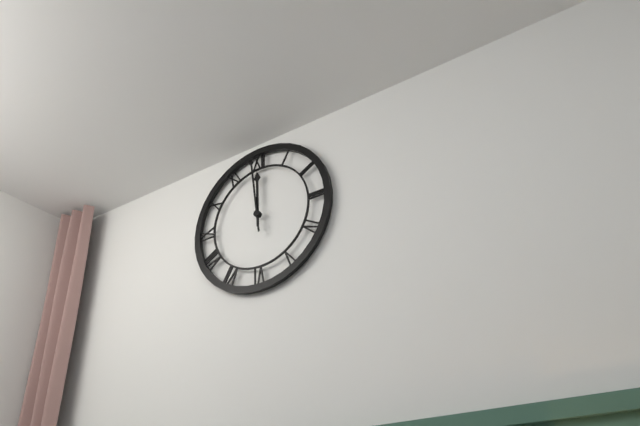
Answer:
11h59
